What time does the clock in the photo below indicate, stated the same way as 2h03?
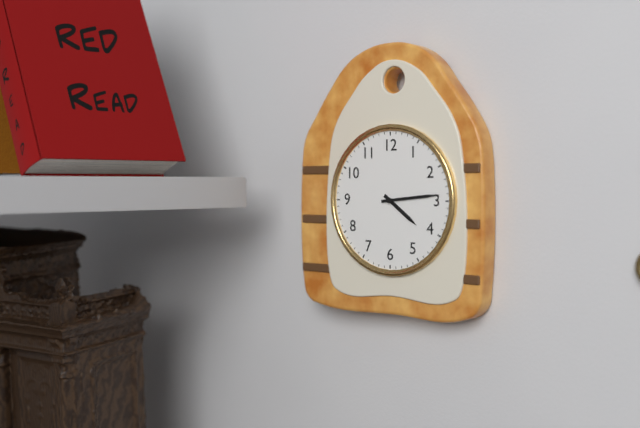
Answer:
4h14
